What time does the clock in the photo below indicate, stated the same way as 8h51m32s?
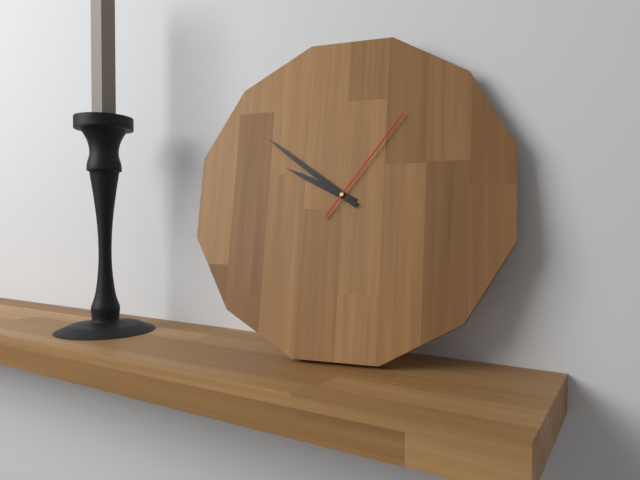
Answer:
9h51m06s
